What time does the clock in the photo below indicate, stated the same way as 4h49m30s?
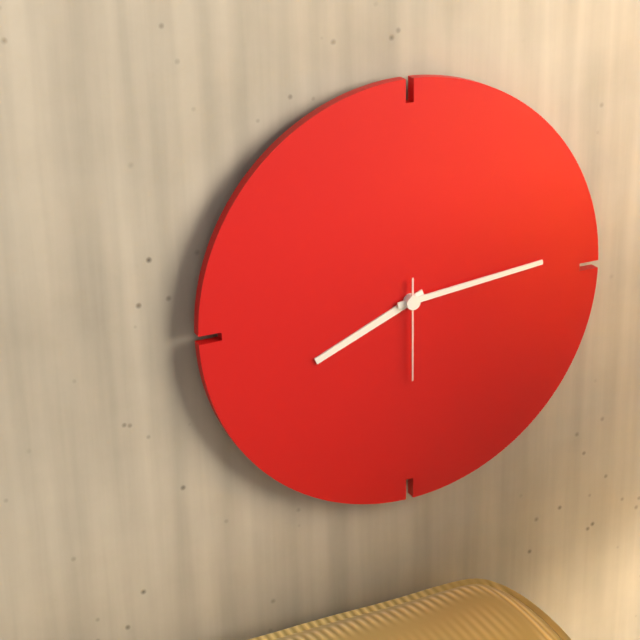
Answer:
8h14m30s
